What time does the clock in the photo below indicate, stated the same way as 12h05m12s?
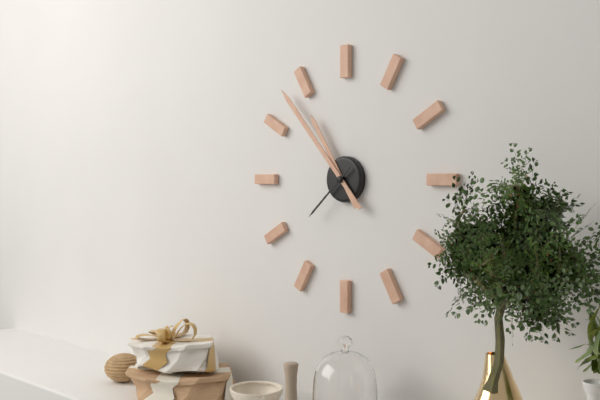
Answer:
10h53m38s
